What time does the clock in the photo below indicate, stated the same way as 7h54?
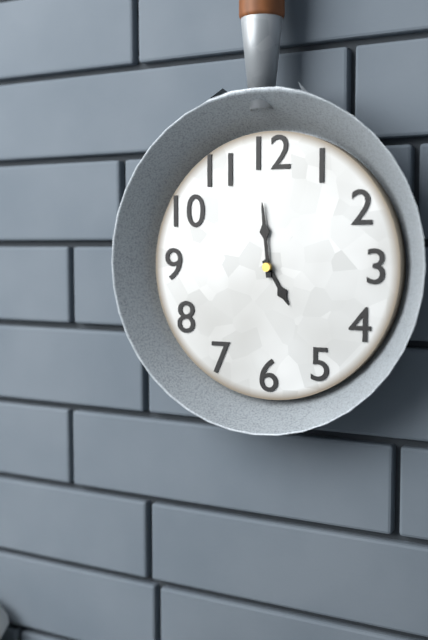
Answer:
4h59
